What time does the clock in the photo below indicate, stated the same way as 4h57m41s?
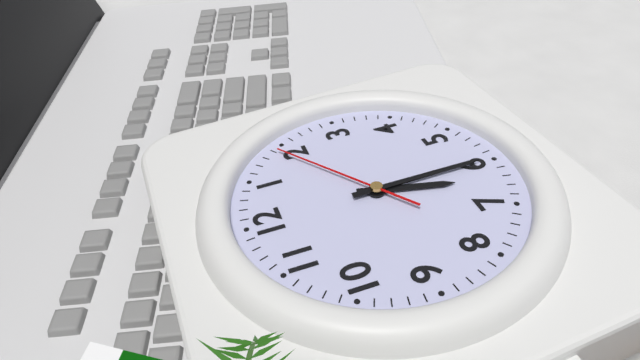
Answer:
6h30m09s
